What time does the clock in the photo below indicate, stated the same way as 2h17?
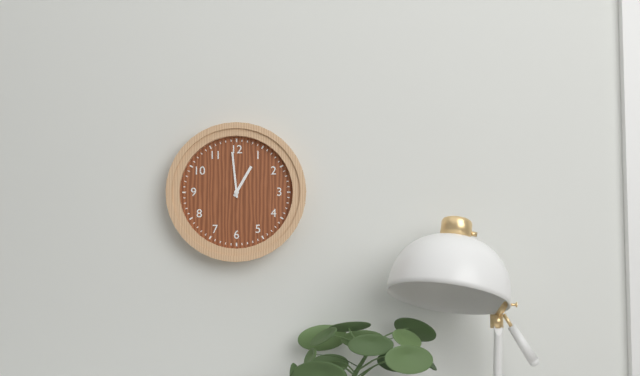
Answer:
12h59
